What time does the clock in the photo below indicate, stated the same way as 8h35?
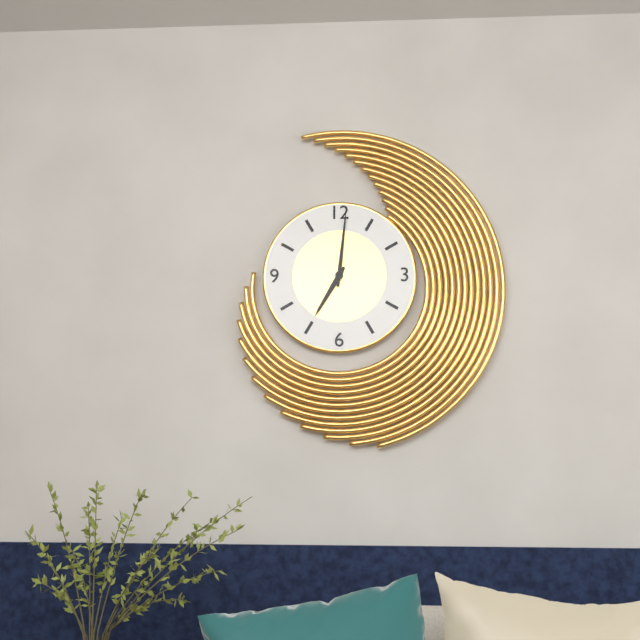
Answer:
7h01
